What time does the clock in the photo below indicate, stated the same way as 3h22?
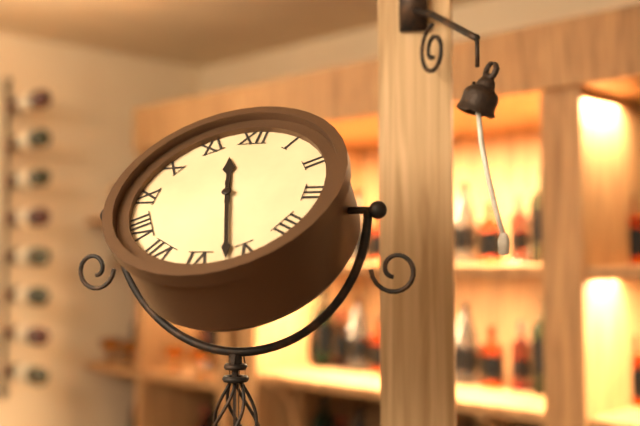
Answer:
11h27
